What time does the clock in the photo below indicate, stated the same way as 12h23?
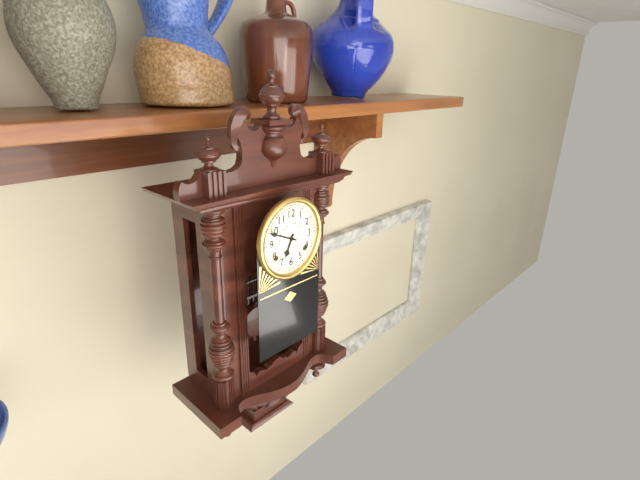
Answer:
6h49
